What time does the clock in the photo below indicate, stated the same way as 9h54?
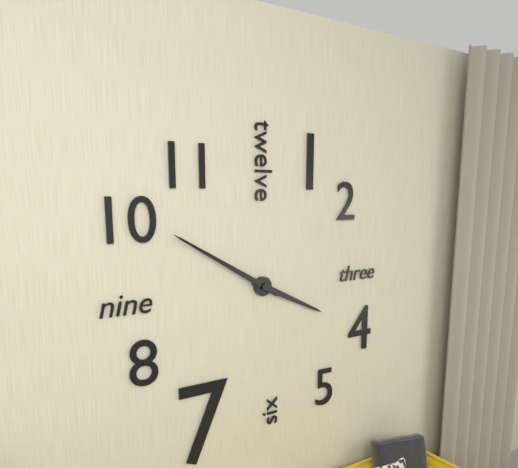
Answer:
3h50
